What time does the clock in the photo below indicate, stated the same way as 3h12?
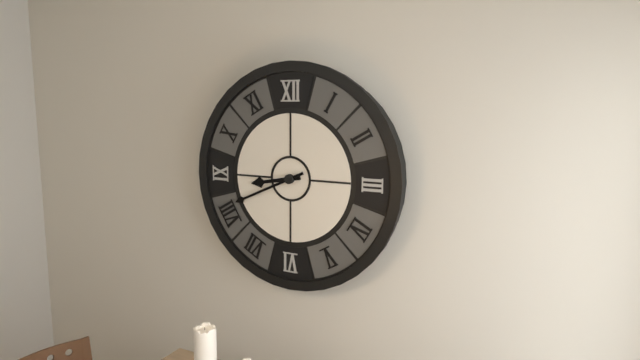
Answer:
8h41
